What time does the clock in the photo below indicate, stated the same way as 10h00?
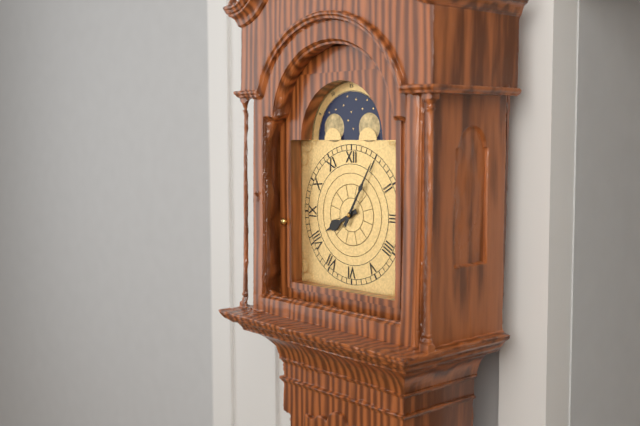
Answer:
8h05
